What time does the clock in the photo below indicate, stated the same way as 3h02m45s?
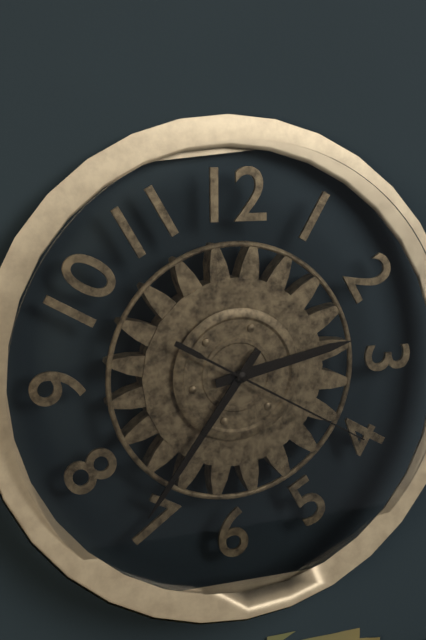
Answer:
2h36m20s
